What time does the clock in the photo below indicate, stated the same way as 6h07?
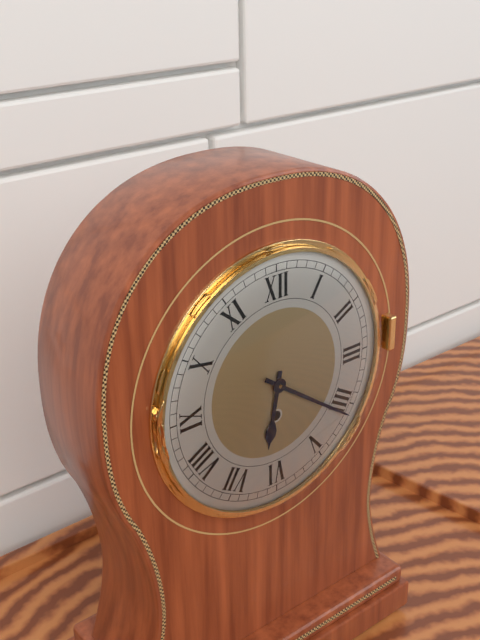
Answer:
6h21
